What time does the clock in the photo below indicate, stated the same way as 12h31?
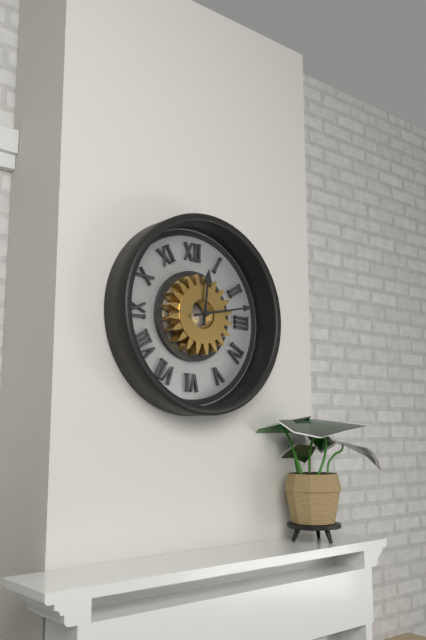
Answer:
12h13
